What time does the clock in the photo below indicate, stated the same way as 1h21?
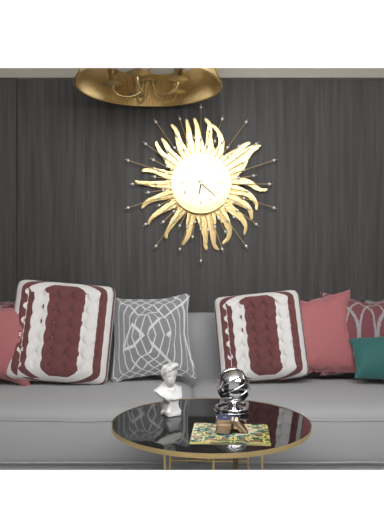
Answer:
6h22
